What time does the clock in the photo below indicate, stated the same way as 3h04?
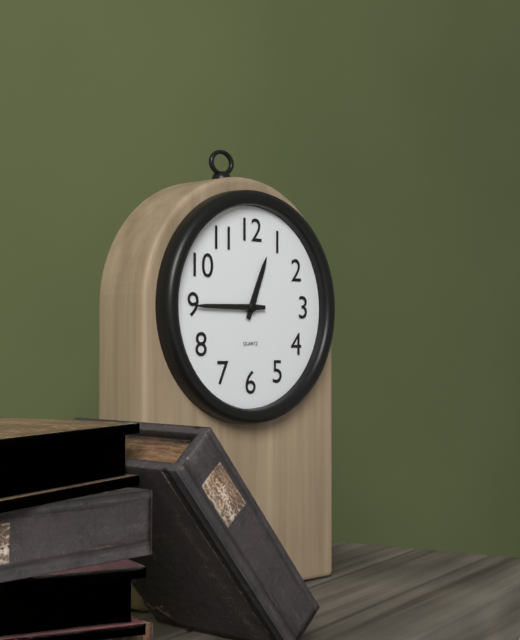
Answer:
12h45
